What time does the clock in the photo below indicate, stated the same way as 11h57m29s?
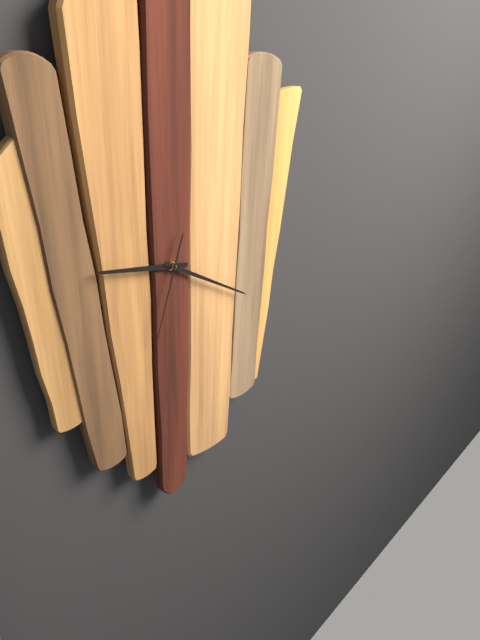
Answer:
9h20m33s
